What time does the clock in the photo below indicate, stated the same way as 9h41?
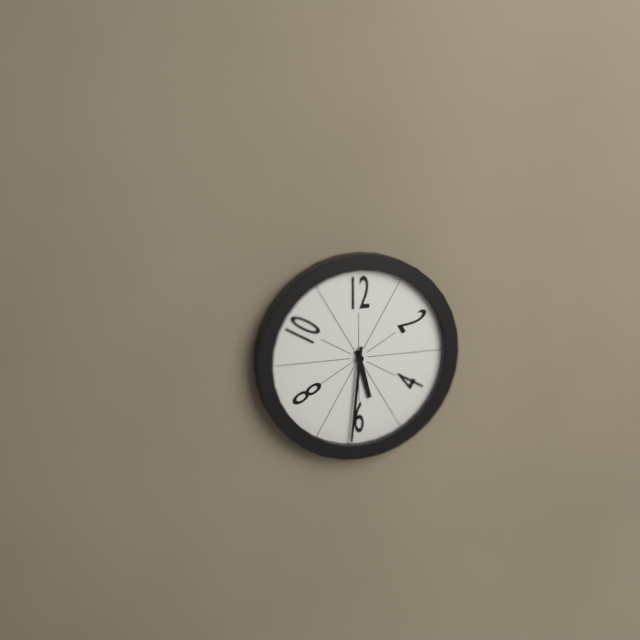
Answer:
5h31
